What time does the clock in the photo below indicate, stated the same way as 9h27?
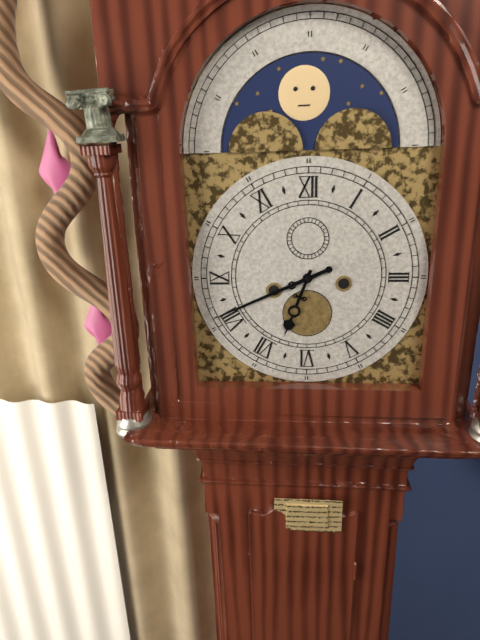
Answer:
6h41
